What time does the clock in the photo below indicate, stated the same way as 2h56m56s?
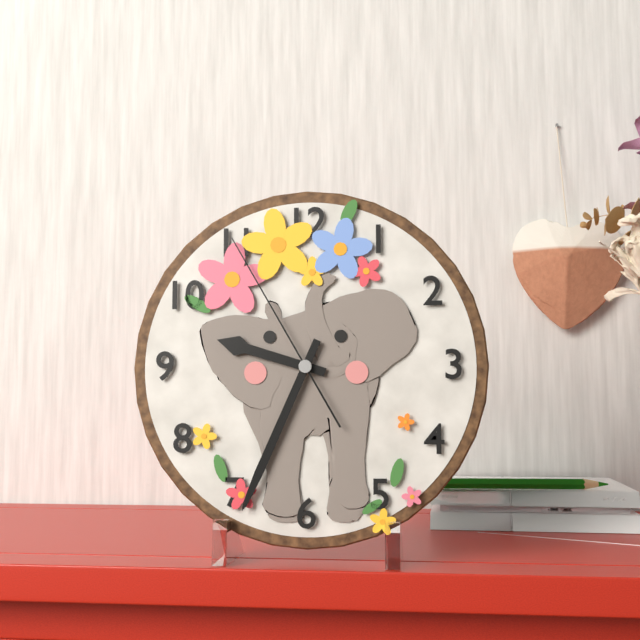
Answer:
9h34m55s
